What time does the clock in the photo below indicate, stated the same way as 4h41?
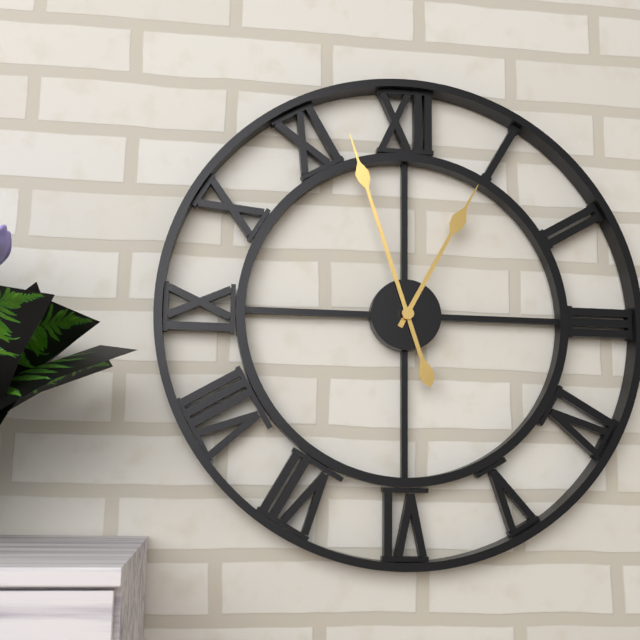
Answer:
12h57
